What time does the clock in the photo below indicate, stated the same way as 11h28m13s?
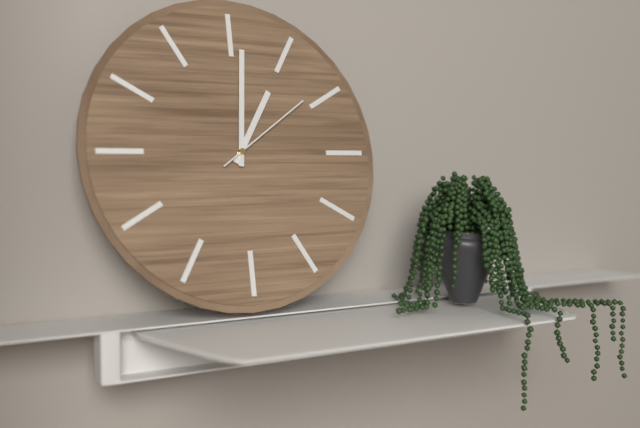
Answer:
1h01m09s
